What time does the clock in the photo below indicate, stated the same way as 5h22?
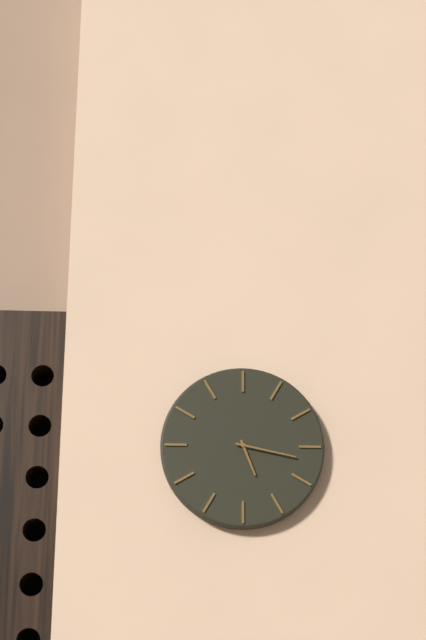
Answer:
5h17
